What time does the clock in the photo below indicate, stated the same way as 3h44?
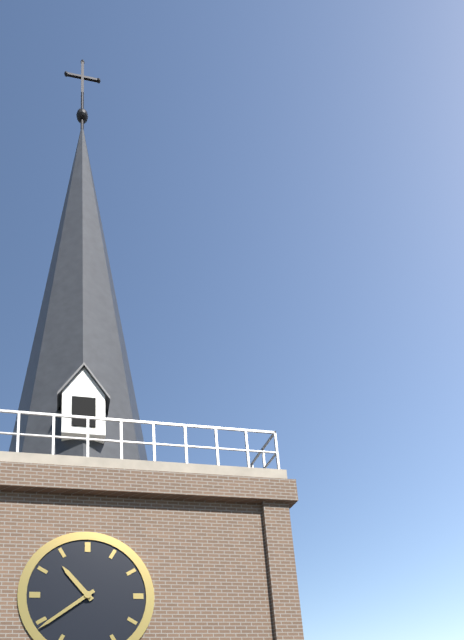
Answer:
10h39
